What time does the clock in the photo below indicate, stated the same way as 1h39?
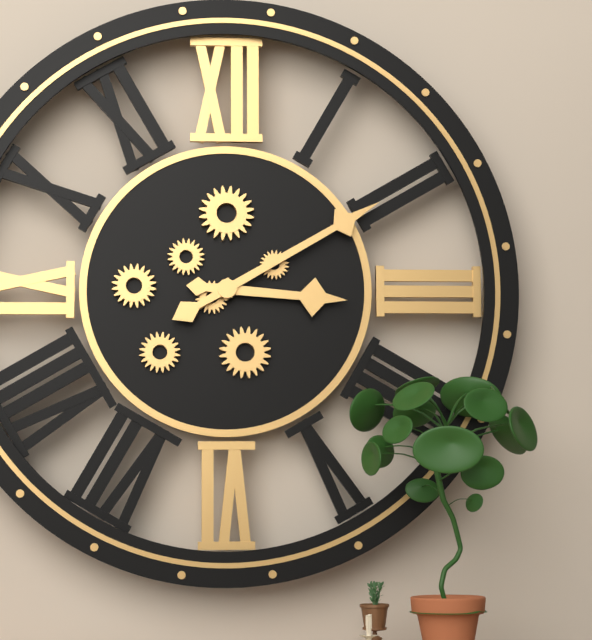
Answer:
3h10
